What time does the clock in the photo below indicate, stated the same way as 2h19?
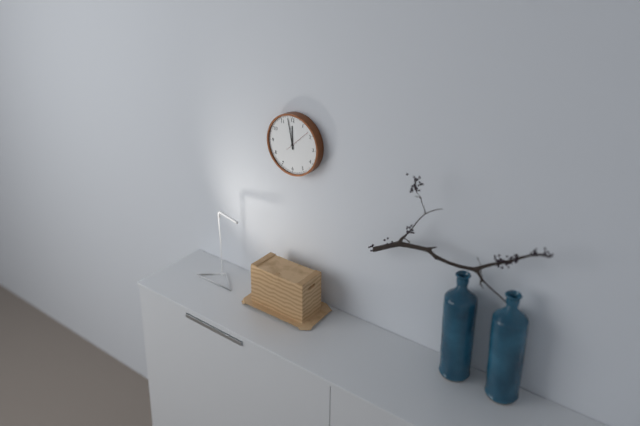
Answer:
11h58
